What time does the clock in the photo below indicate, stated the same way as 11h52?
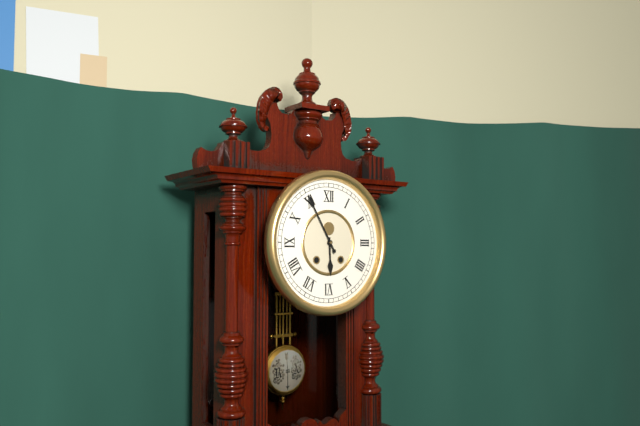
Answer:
5h55
